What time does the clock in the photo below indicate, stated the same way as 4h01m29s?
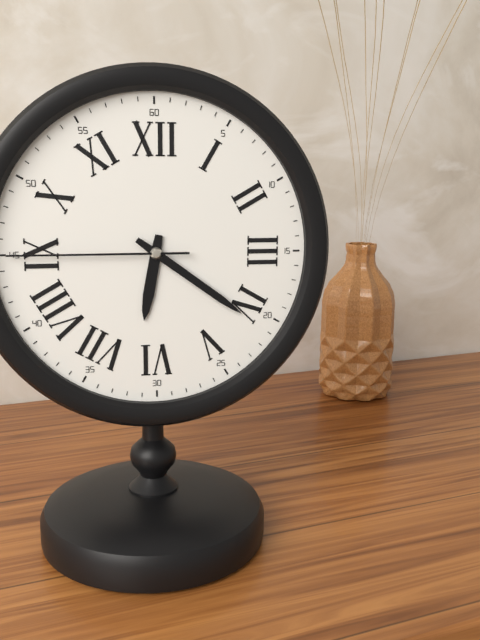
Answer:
6h21m45s
